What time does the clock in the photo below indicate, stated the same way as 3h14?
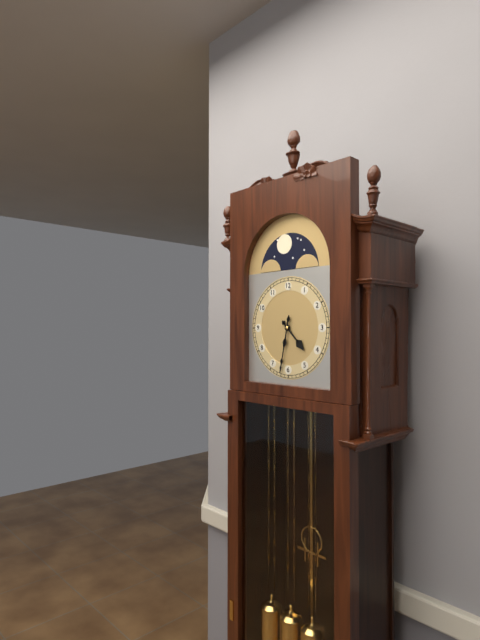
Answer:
4h32
